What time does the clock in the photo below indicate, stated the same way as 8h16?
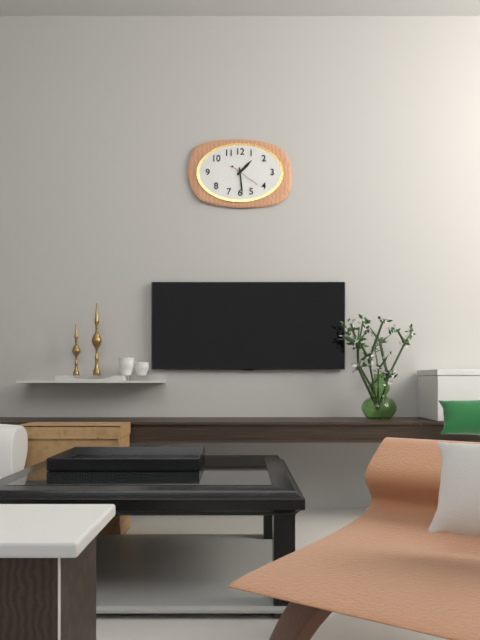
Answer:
1h29
